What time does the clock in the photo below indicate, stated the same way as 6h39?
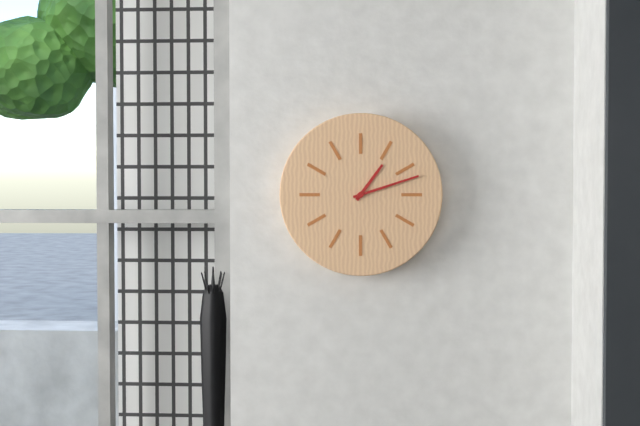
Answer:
1h12
